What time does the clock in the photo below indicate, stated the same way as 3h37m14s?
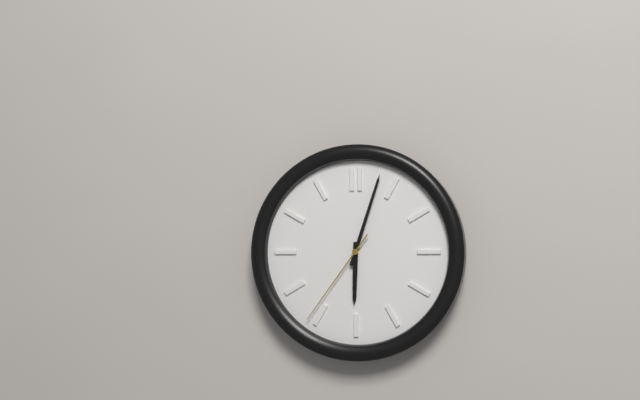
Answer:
6h03m36s
